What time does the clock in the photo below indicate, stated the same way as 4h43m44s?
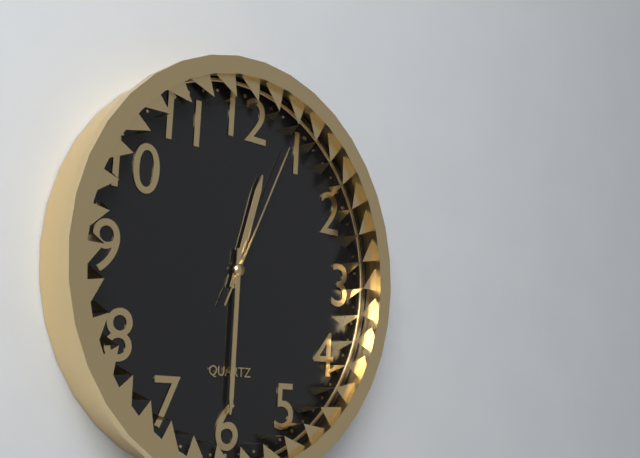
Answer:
12h30m04s
